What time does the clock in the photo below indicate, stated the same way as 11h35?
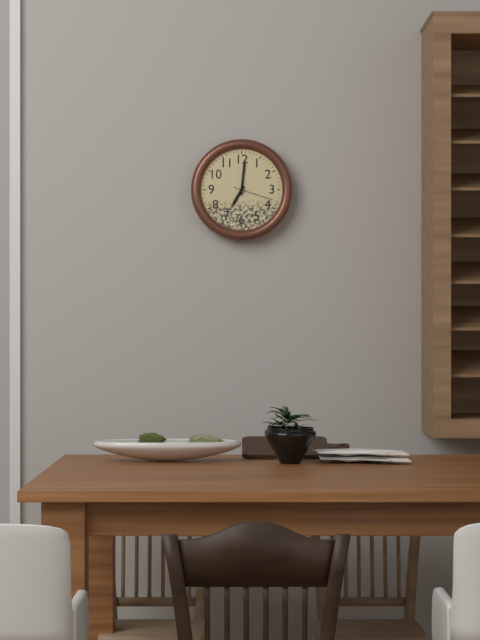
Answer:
7h01
